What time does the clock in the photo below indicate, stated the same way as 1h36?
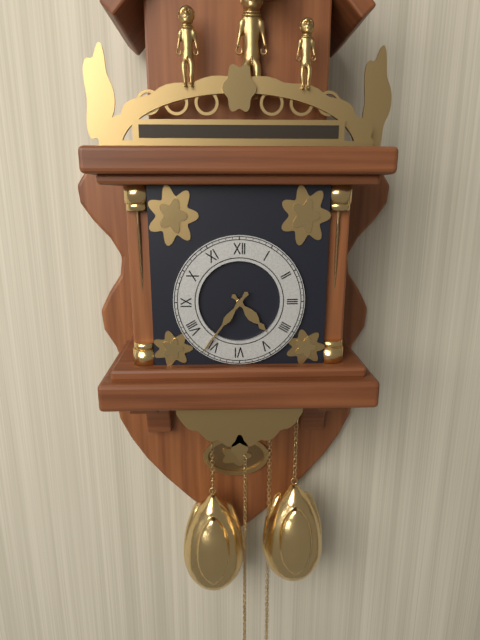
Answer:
4h36
